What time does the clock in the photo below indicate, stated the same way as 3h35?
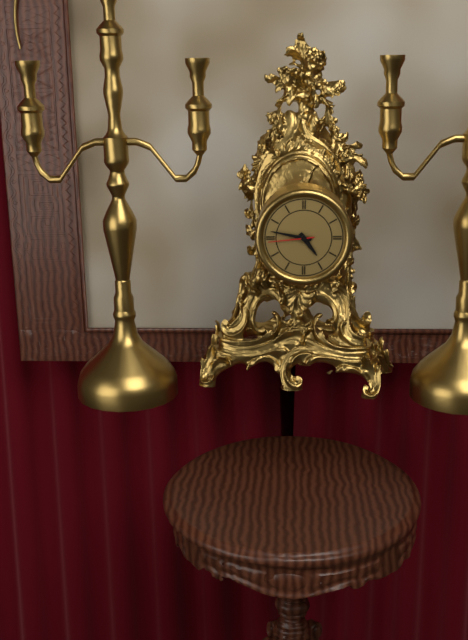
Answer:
4h47
